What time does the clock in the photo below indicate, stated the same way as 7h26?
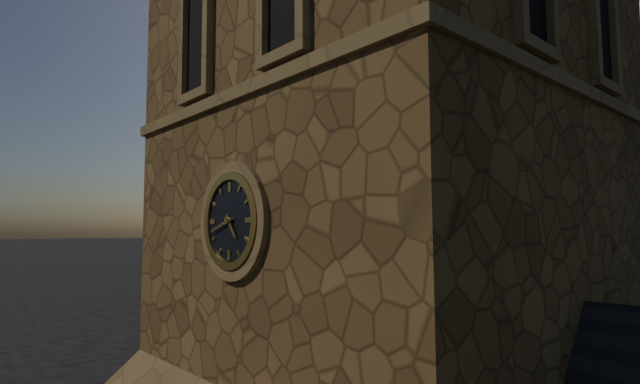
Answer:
4h42
